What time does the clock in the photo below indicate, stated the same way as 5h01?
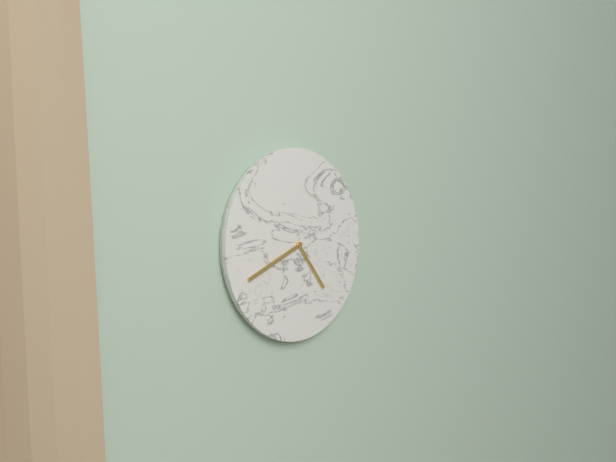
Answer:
4h41
